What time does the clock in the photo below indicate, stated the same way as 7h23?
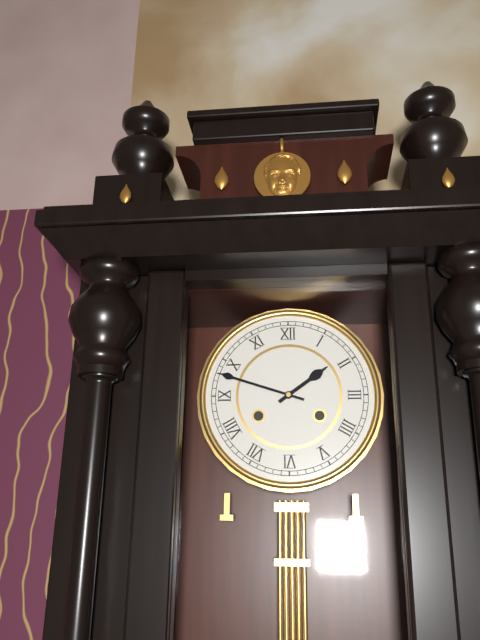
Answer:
1h48
